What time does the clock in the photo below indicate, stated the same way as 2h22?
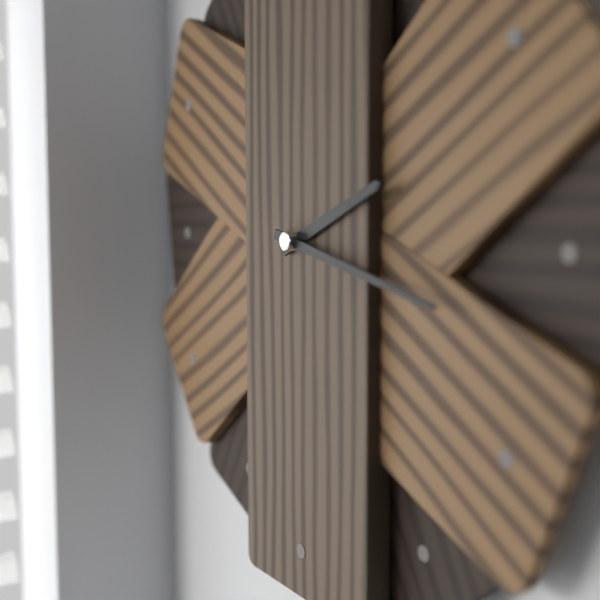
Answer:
2h17
